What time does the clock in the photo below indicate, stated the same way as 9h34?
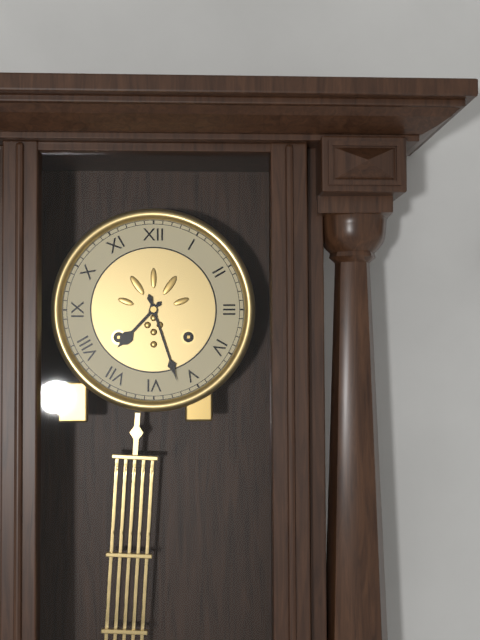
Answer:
7h27
